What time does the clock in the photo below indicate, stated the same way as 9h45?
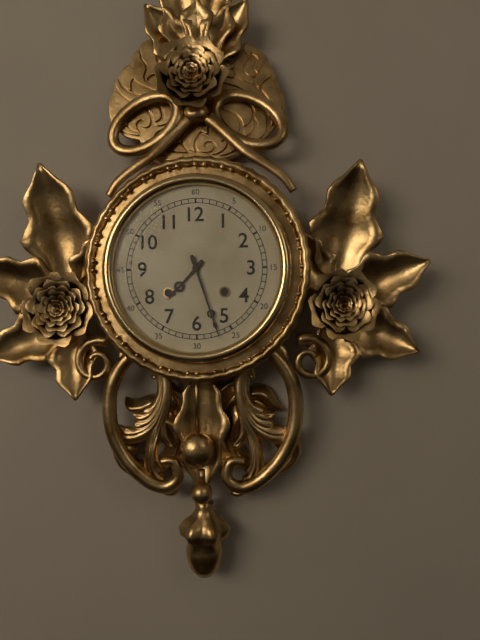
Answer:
7h27
